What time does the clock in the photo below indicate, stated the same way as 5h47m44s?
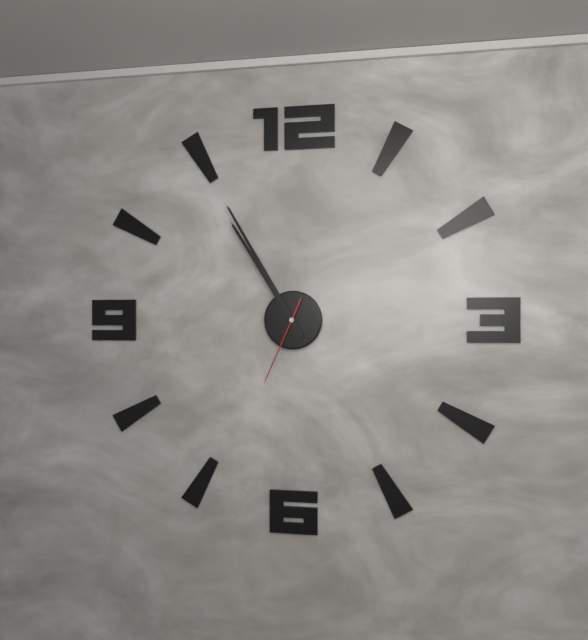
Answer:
10h55m34s
